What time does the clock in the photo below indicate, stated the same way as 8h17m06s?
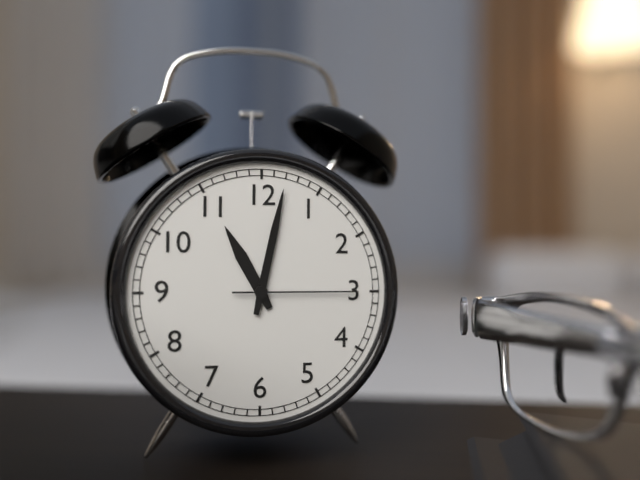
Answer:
11h02m15s
